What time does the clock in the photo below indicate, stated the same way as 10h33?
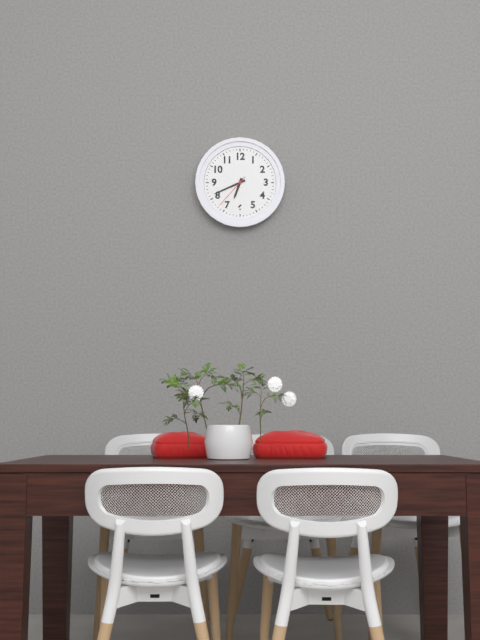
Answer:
6h41
